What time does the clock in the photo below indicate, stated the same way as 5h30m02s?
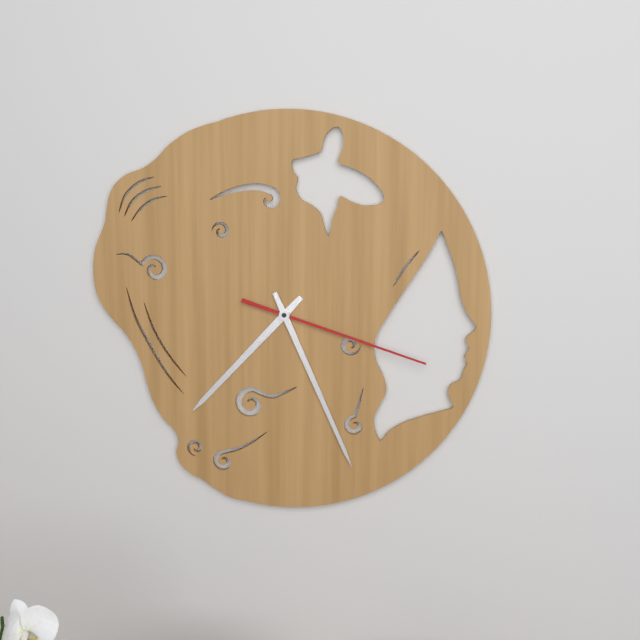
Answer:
7h26m18s
